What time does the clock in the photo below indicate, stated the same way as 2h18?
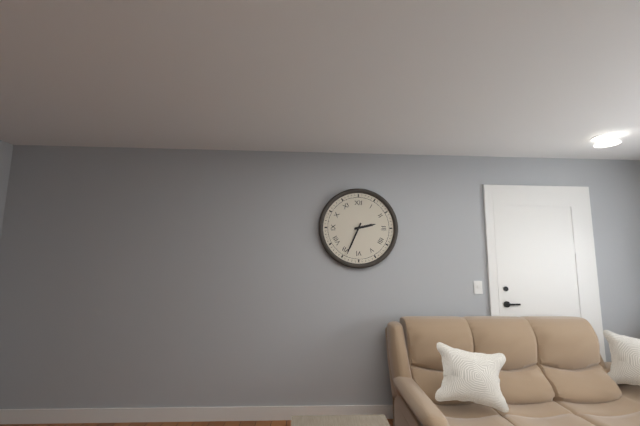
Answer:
2h34
